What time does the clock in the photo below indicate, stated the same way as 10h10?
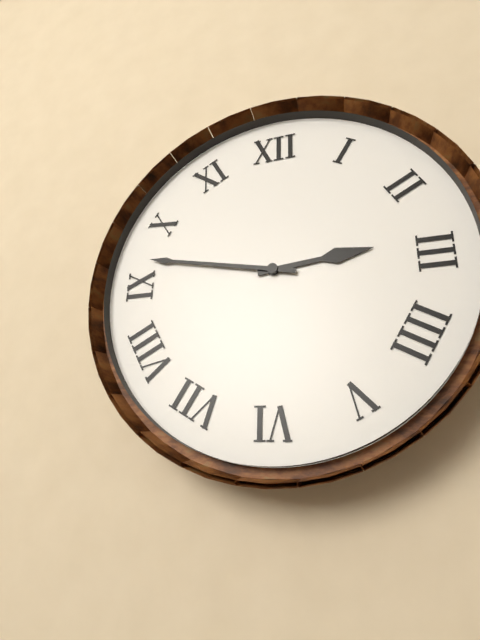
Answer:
2h47
